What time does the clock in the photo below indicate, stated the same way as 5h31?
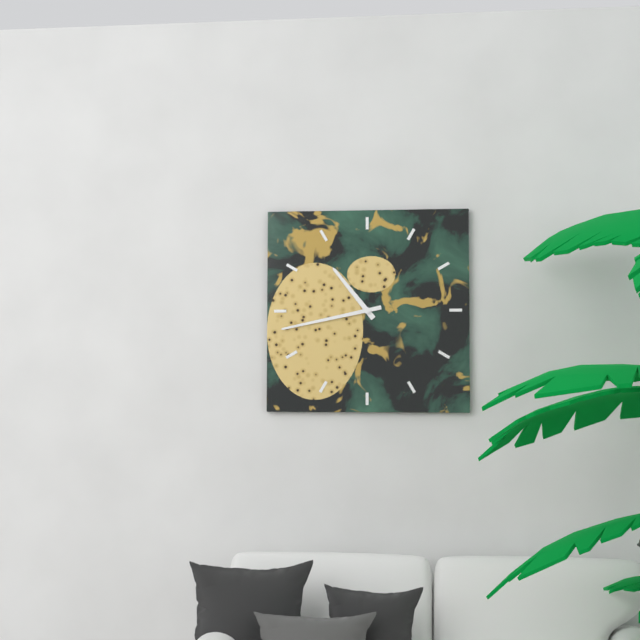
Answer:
10h43
